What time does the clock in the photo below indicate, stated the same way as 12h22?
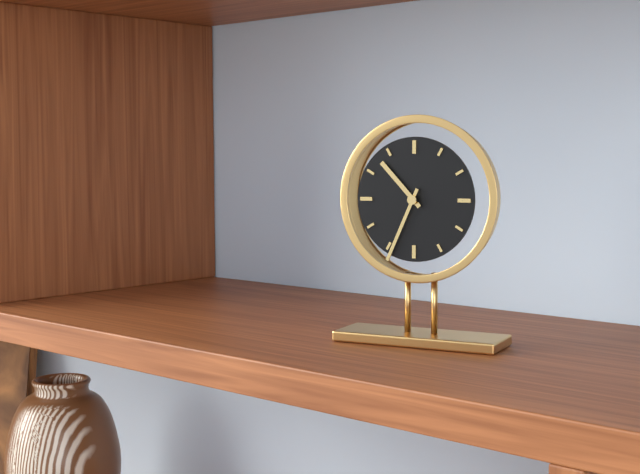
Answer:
10h34
